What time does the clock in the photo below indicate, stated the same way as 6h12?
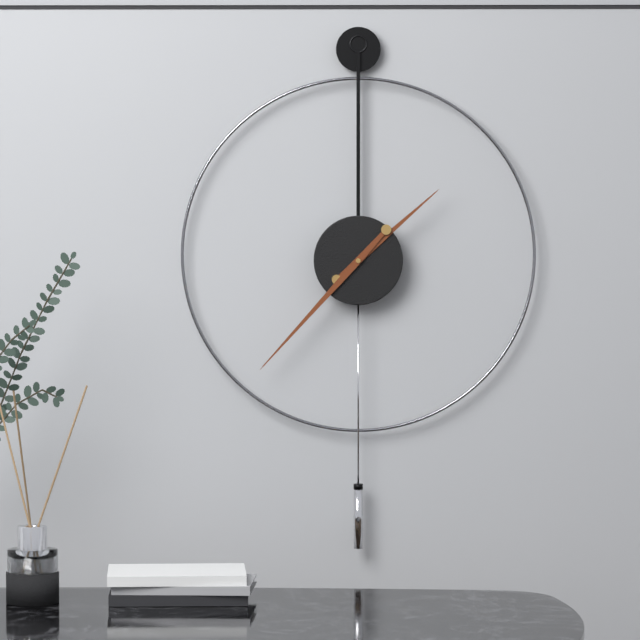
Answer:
1h37
